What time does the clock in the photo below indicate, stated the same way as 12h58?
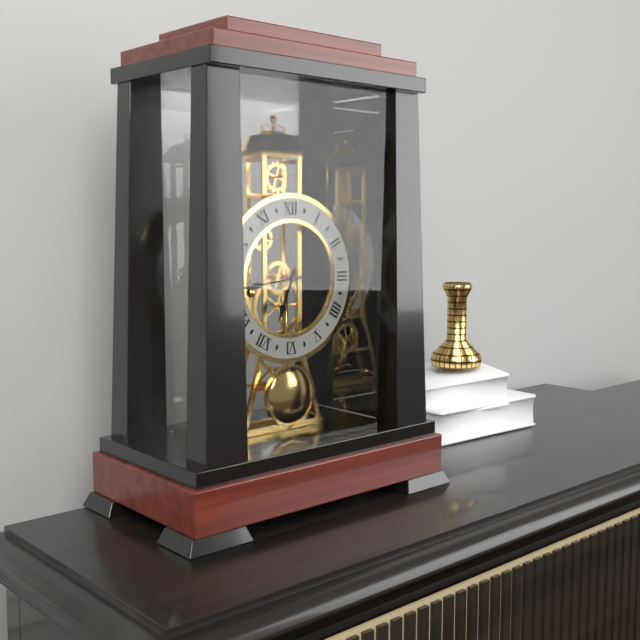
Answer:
6h44
